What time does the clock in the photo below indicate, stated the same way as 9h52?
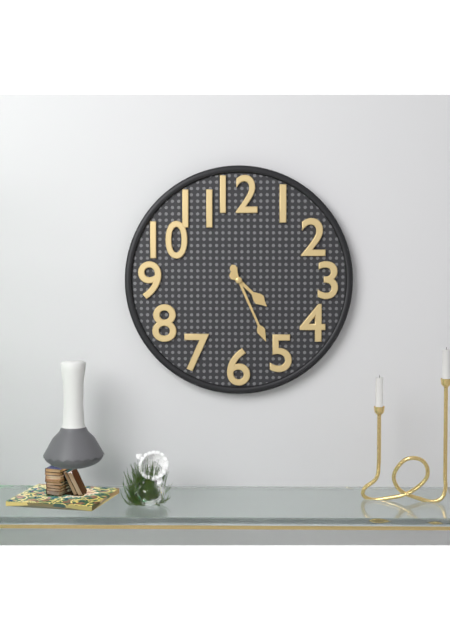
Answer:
4h26
